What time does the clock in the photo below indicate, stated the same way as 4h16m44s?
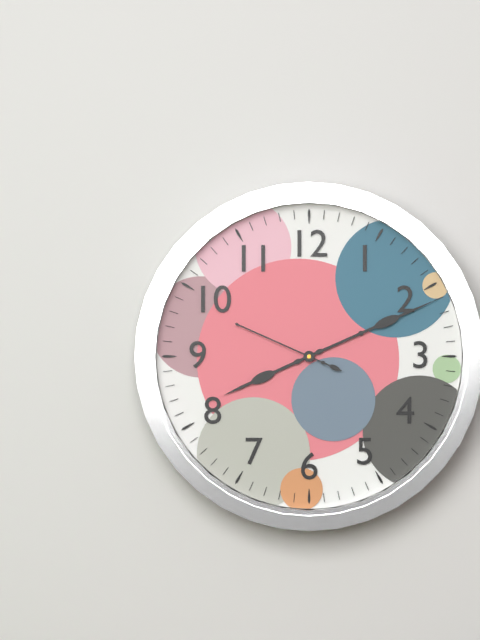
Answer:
8h11m49s
